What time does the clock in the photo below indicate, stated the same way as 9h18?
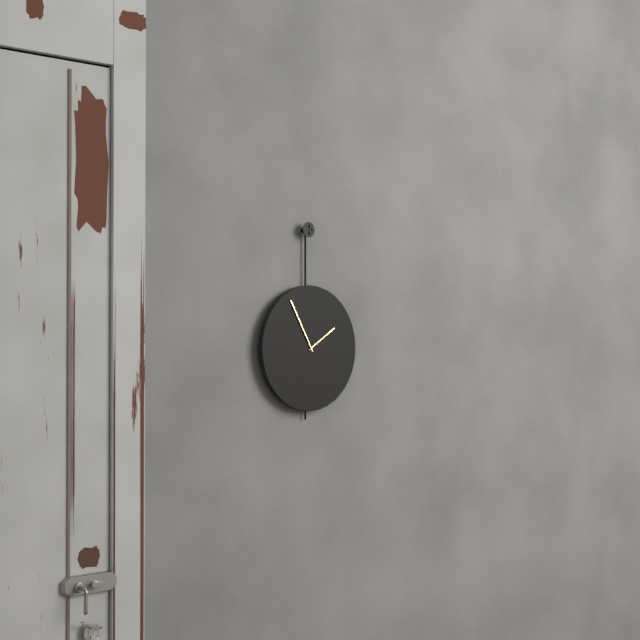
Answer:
1h55
